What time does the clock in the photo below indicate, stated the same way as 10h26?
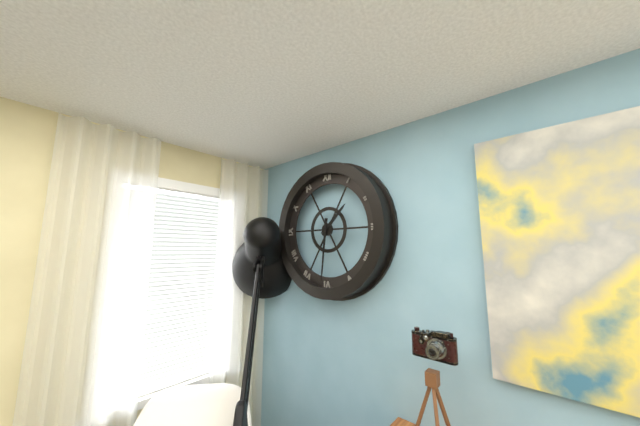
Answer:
1h31
